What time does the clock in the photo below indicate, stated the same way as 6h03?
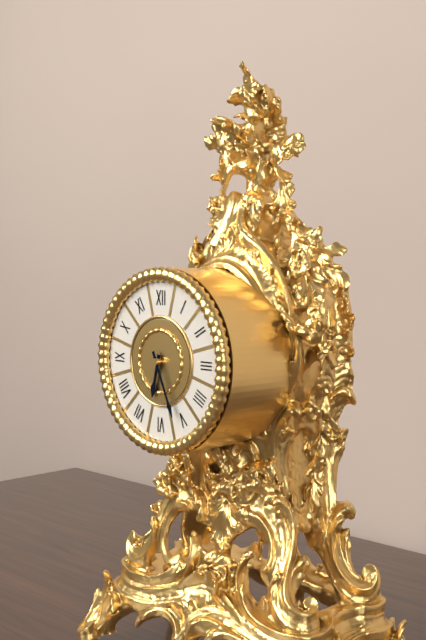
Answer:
6h26
